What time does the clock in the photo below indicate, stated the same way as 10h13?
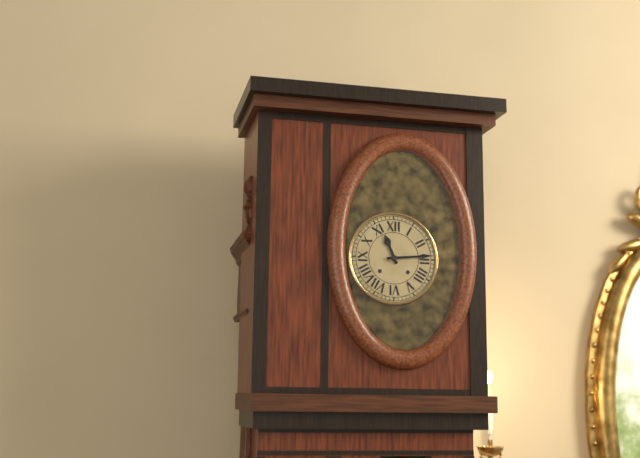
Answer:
11h14
